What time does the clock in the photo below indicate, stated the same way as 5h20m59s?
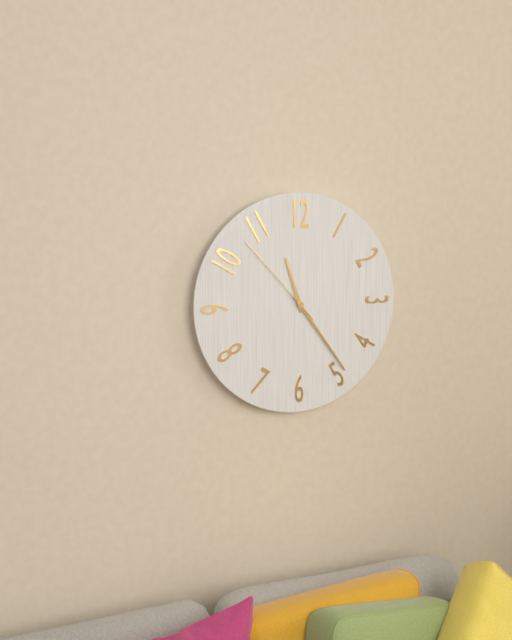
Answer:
11h24m53s
